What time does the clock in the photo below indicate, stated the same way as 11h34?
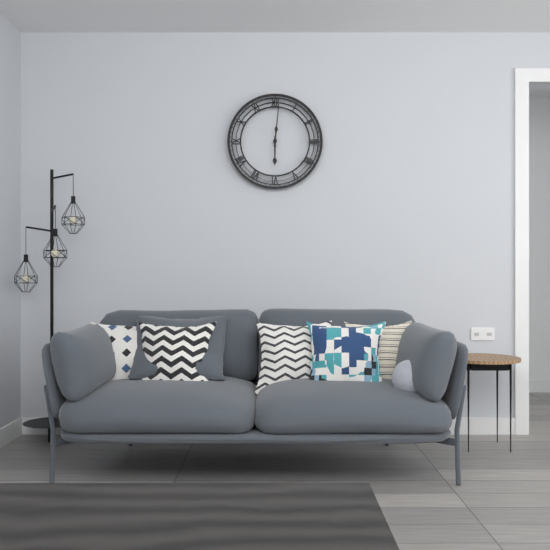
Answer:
6h01
